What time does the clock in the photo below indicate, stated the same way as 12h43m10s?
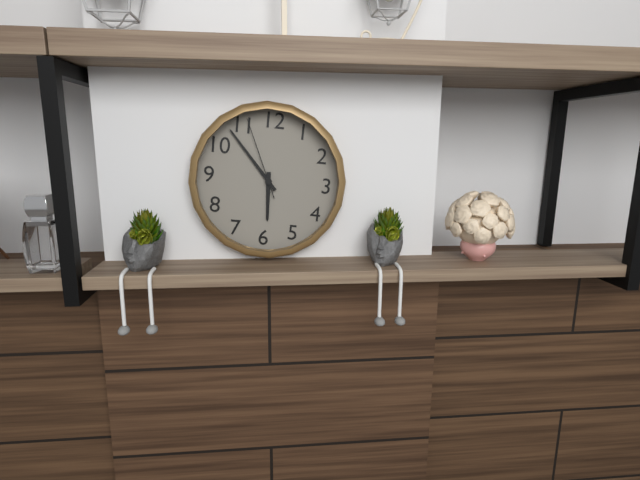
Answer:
5h53m56s
